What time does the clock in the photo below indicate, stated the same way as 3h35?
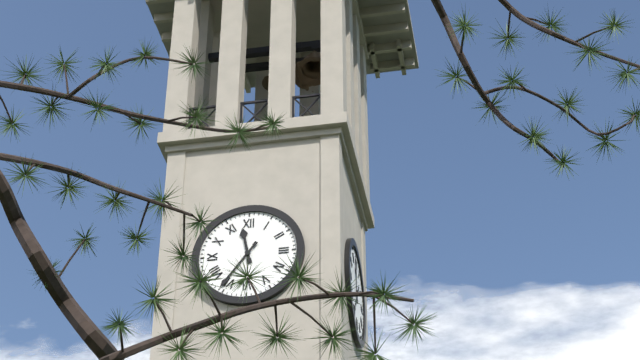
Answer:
11h36
